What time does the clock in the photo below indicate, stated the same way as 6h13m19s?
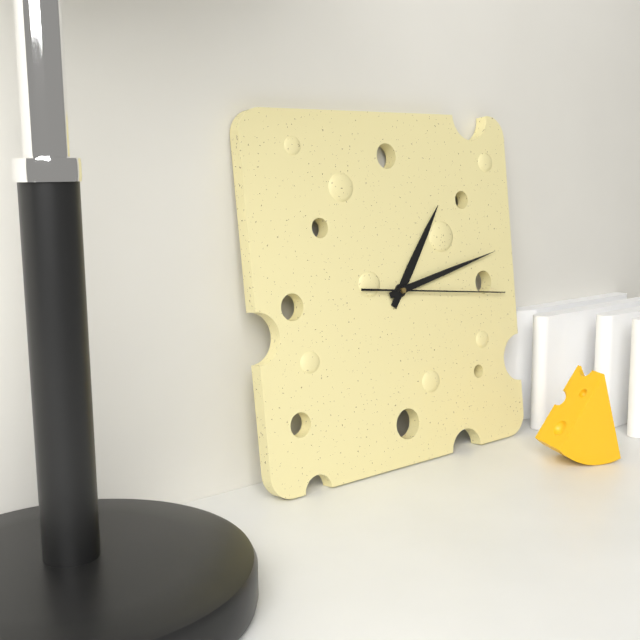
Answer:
1h13m16s
